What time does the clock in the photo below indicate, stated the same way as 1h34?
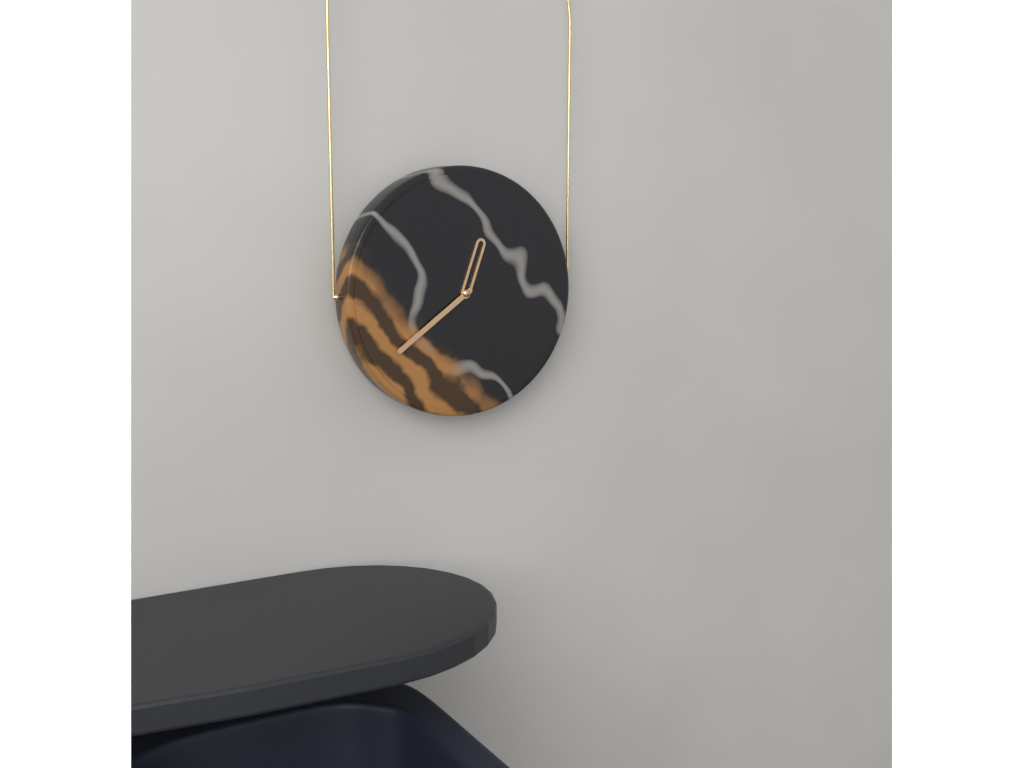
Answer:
12h39
